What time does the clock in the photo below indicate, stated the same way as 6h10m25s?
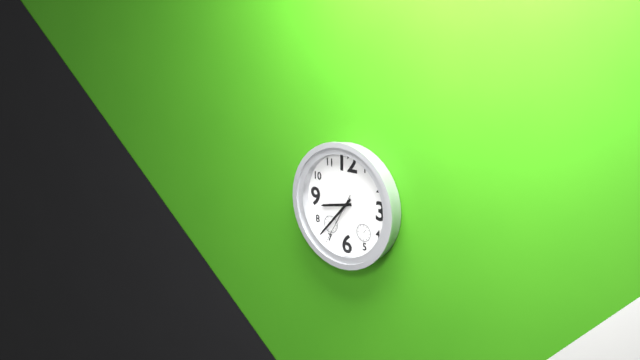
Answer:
8h37m35s
